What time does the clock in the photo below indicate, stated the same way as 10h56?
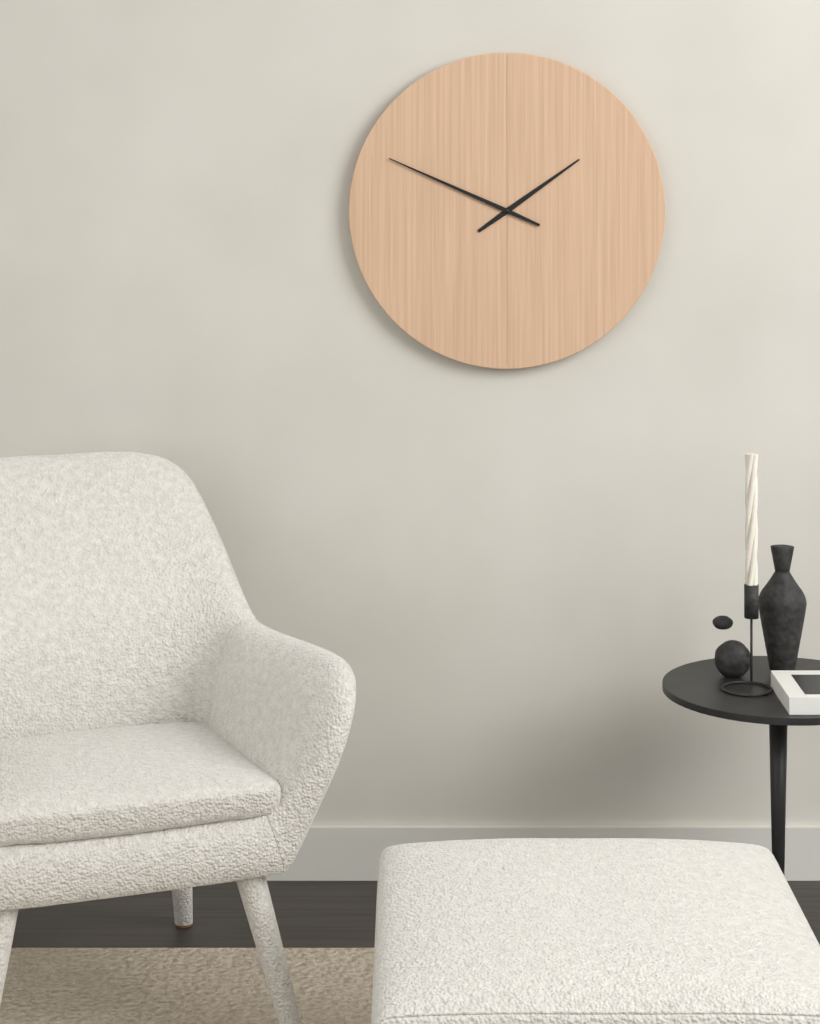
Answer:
1h49
